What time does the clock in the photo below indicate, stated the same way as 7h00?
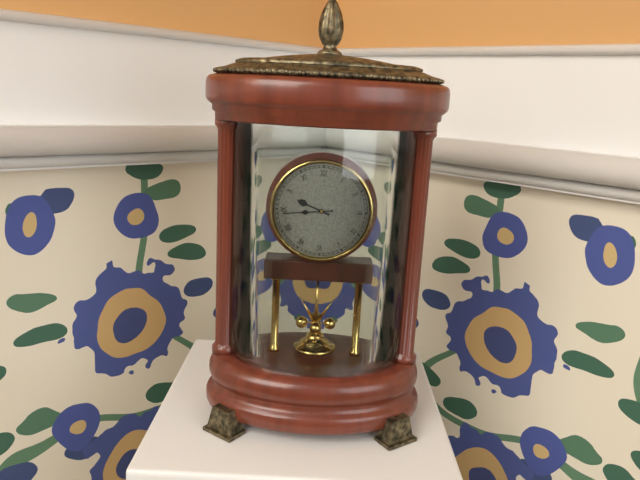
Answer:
9h44
